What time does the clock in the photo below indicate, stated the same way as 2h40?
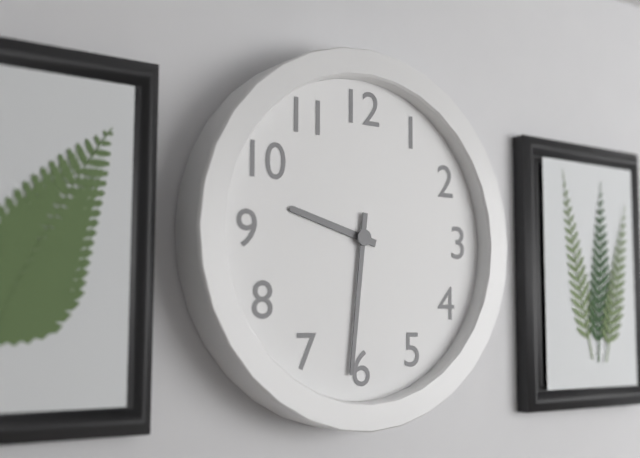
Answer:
9h31
